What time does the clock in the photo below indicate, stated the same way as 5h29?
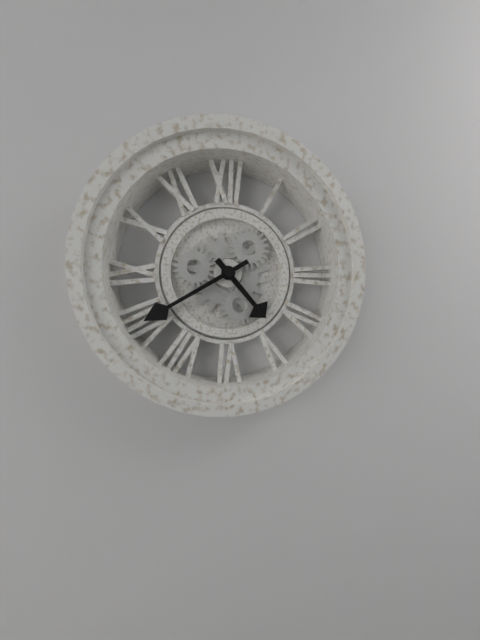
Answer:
4h40
